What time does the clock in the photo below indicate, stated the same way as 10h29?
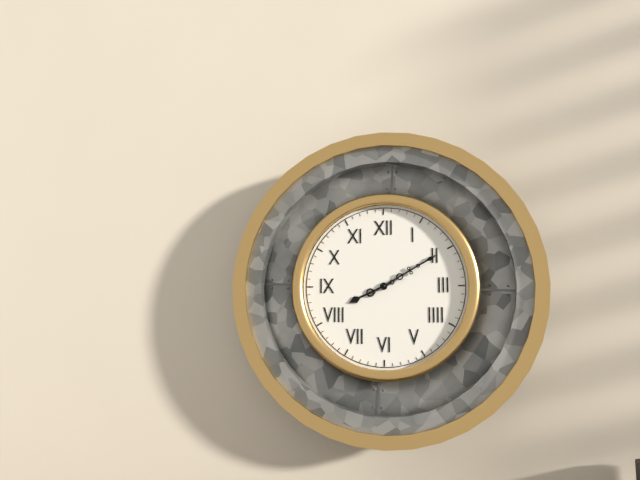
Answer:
8h10
